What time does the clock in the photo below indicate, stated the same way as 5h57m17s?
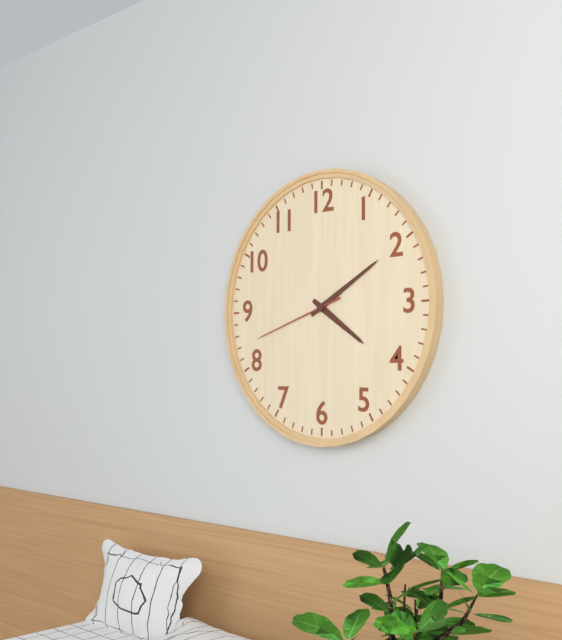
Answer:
4h10m42s
